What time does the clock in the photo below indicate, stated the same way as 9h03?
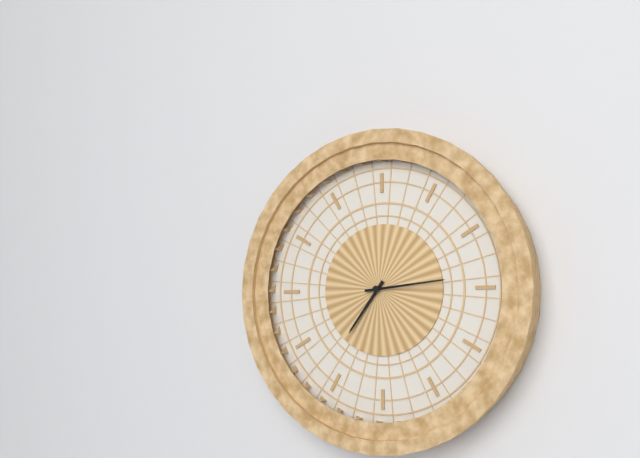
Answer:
7h14
